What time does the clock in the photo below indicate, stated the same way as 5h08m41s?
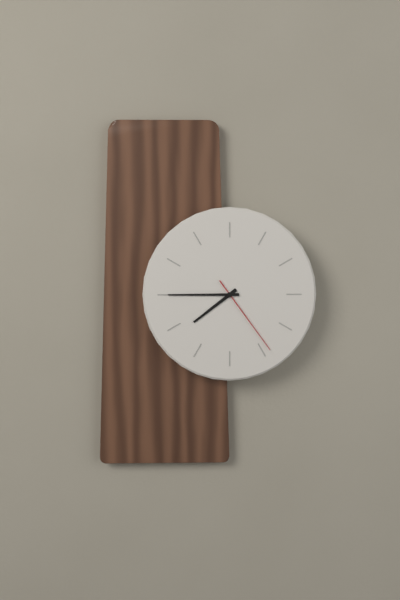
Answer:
7h45m24s
